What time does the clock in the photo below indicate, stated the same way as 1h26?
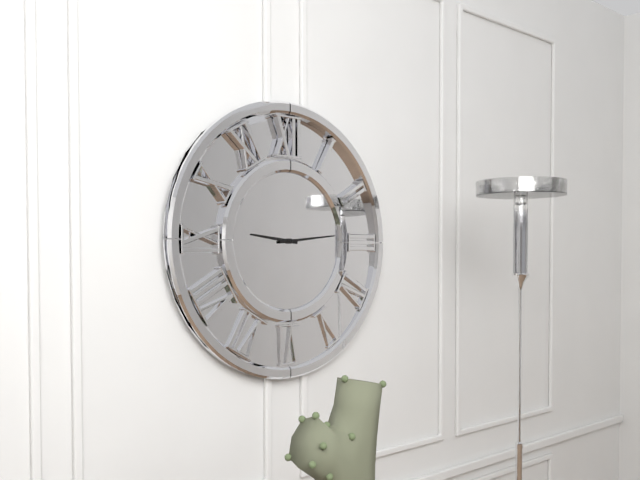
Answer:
9h14
